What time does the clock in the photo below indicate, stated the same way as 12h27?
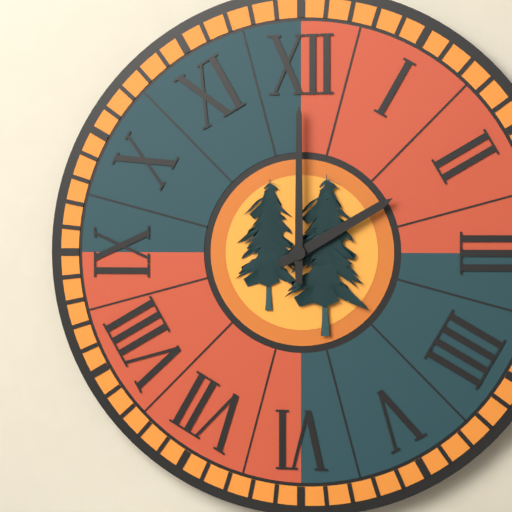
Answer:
2h00
